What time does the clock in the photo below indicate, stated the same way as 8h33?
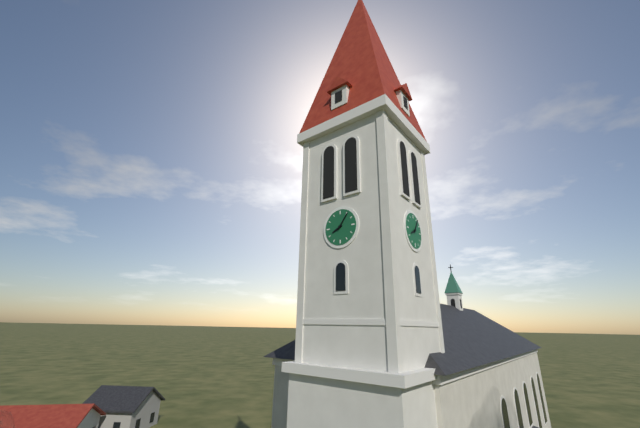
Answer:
8h06
